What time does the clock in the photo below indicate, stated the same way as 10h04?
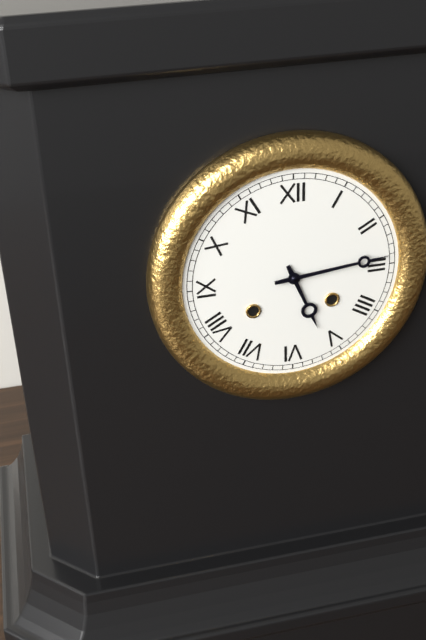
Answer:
5h14
